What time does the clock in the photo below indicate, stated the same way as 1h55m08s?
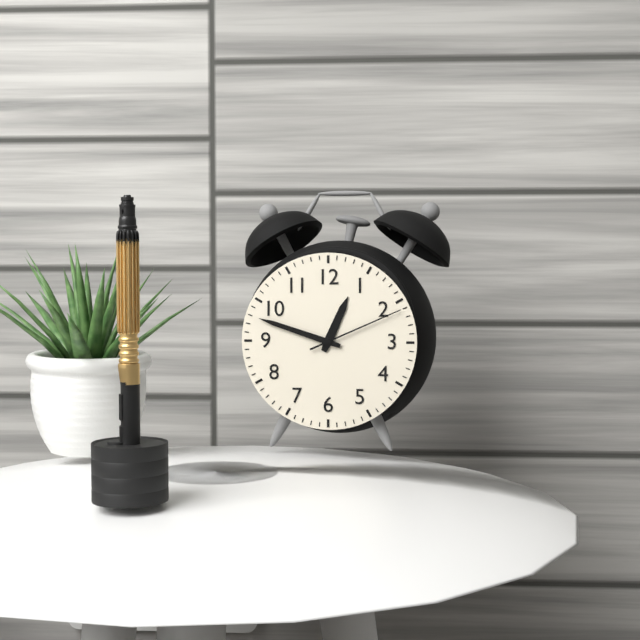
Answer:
12h48m11s
